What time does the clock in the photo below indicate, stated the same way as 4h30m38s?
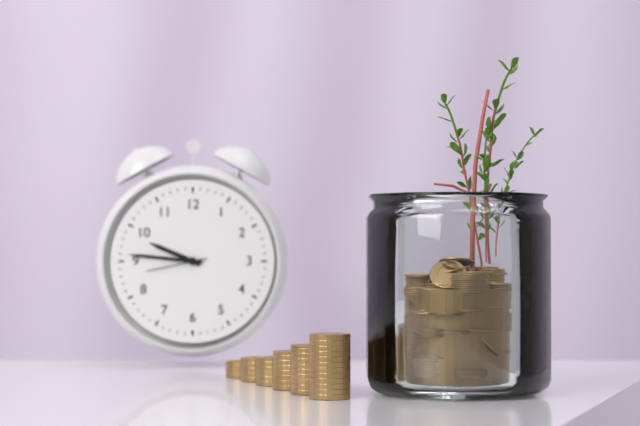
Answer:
9h46m43s
